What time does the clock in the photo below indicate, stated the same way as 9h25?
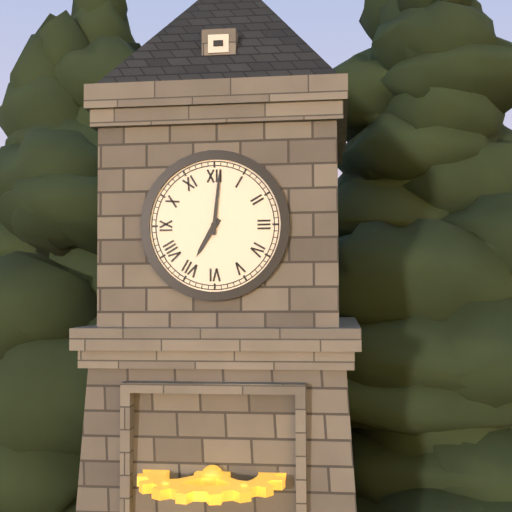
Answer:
7h01
